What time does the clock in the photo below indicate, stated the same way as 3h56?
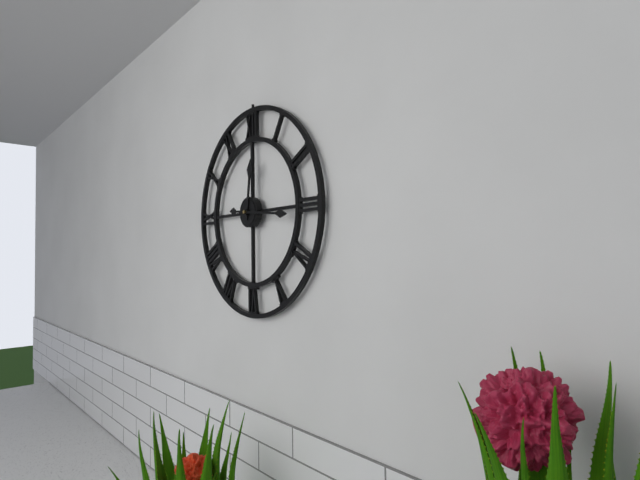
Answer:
12h16
